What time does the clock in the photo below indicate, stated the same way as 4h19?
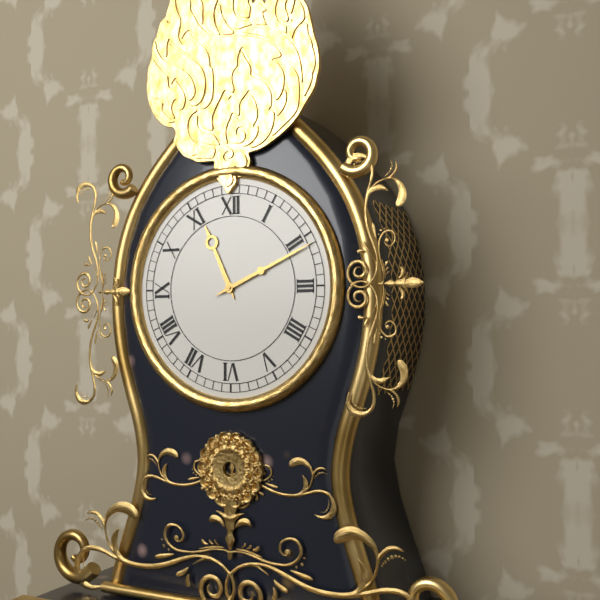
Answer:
11h11
